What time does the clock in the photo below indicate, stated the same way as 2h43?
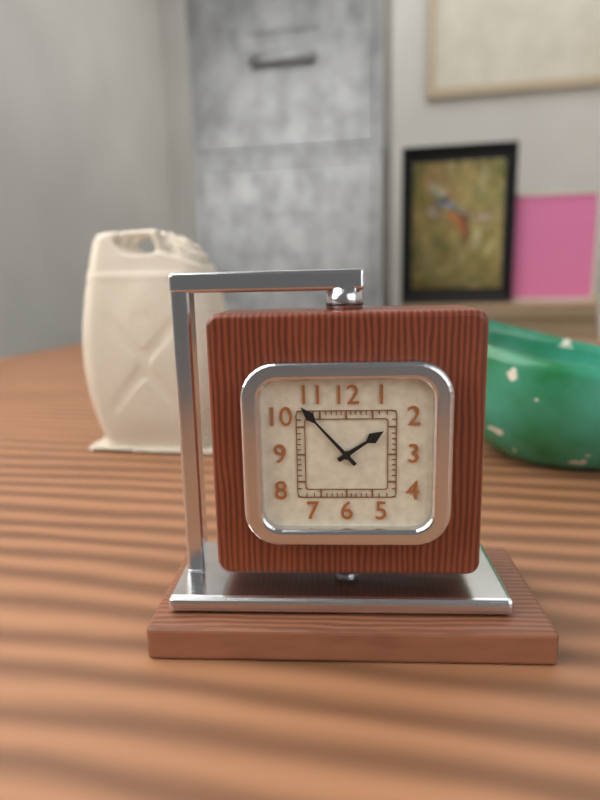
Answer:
1h53
